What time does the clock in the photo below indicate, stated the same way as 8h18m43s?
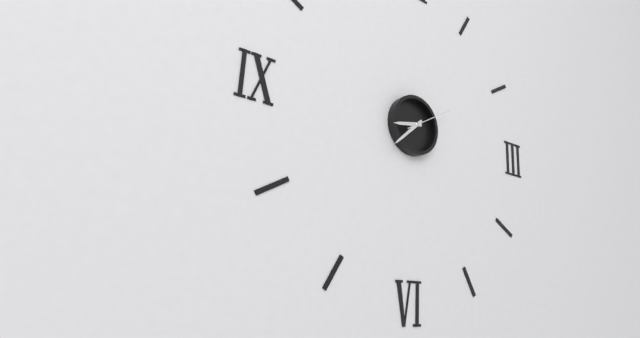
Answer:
8h38m10s
